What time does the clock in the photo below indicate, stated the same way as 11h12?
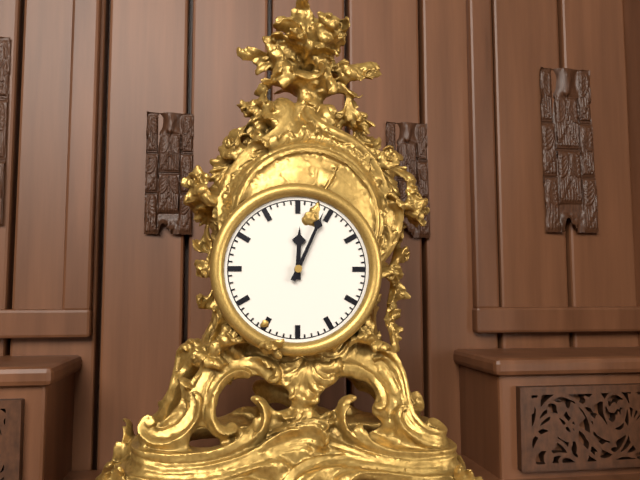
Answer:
12h04
